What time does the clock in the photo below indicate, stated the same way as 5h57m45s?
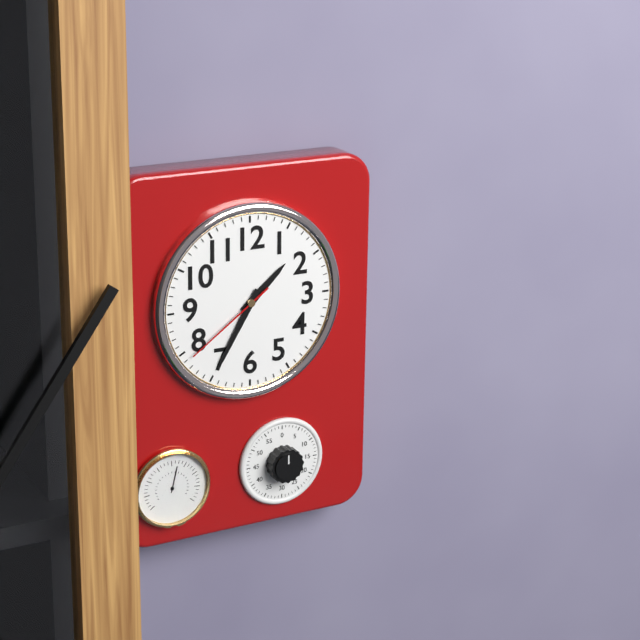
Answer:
1h35m39s
